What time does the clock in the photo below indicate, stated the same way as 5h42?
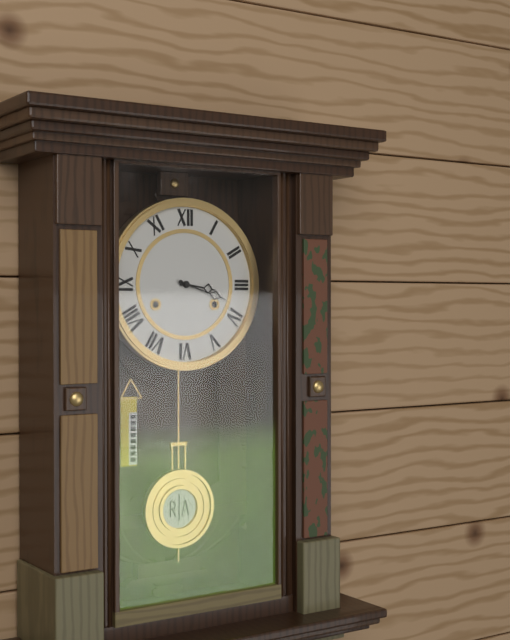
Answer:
3h18
